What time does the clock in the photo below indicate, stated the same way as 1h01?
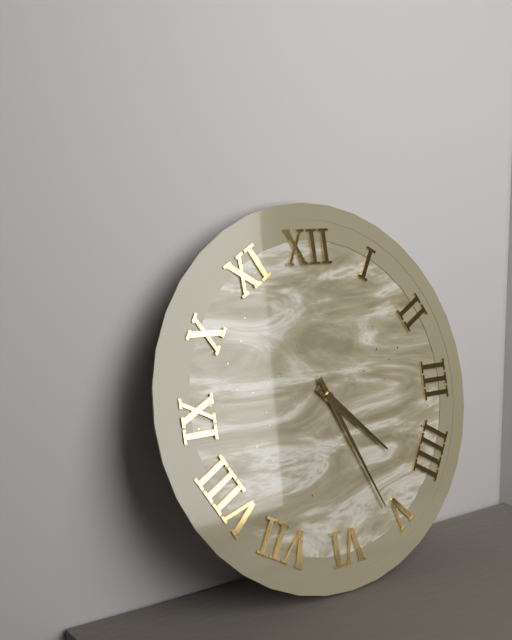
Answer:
4h26
